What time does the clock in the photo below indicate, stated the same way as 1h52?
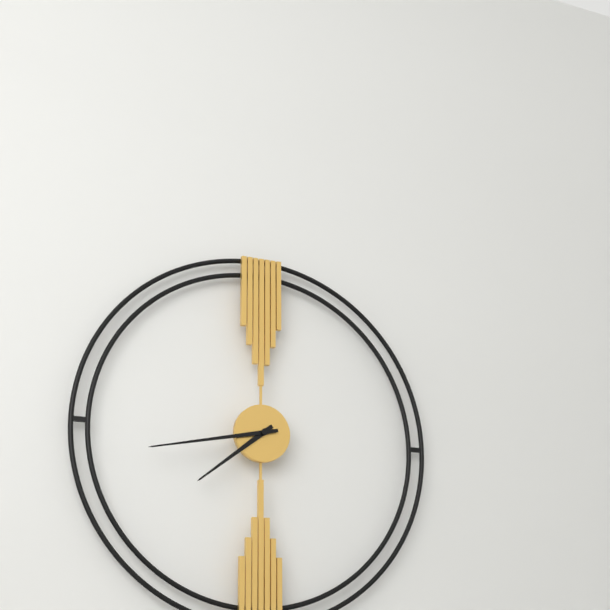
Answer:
7h43
